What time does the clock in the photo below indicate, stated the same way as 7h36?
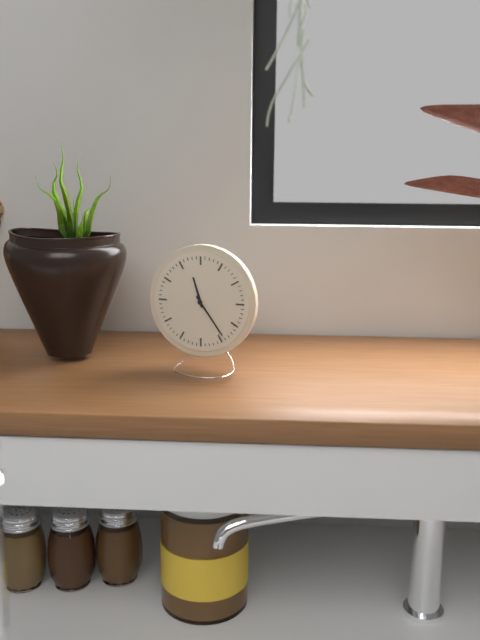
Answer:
11h24
